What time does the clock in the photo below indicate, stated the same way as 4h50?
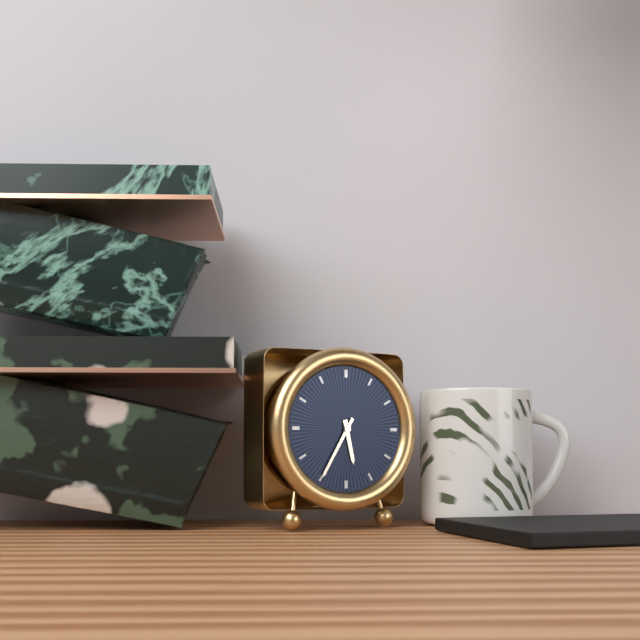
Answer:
5h35
